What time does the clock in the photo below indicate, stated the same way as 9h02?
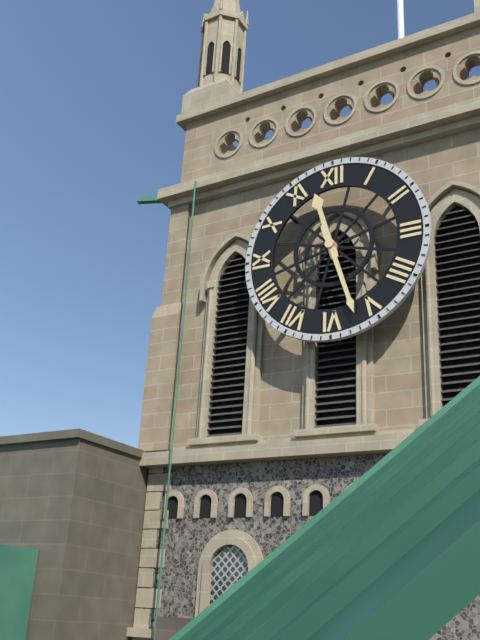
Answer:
11h27
